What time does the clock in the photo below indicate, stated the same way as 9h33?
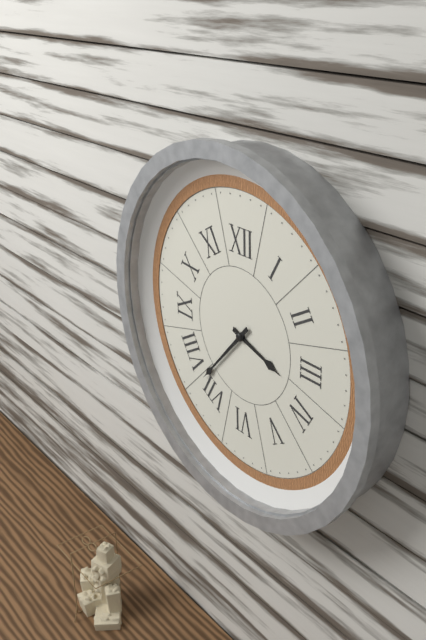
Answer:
3h37
